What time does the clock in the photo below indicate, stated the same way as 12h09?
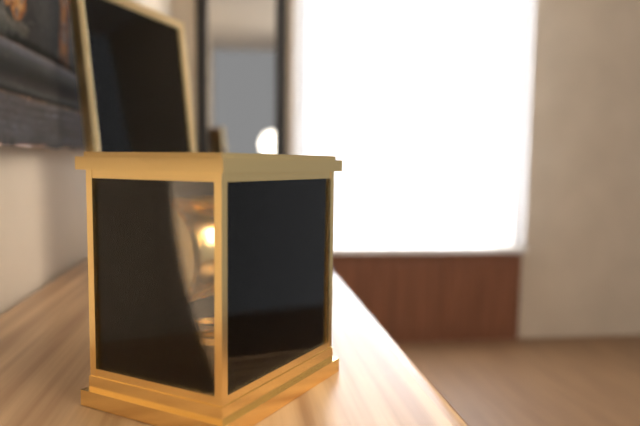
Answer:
5h36
